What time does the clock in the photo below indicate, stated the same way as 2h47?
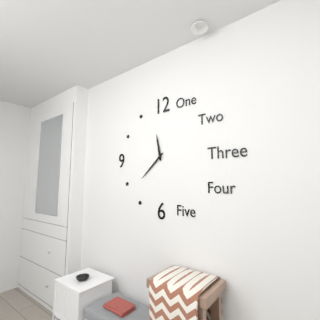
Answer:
11h38
